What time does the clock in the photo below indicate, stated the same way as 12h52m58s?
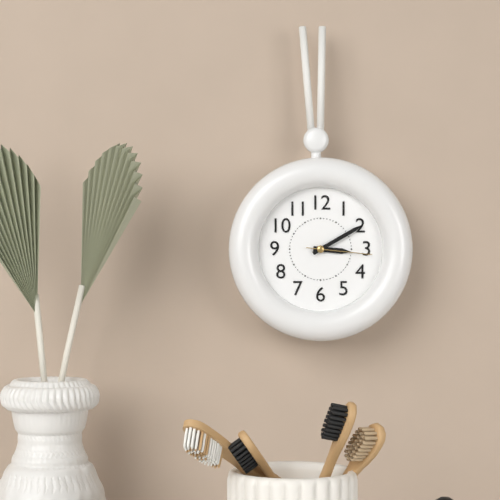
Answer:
3h10m16s
